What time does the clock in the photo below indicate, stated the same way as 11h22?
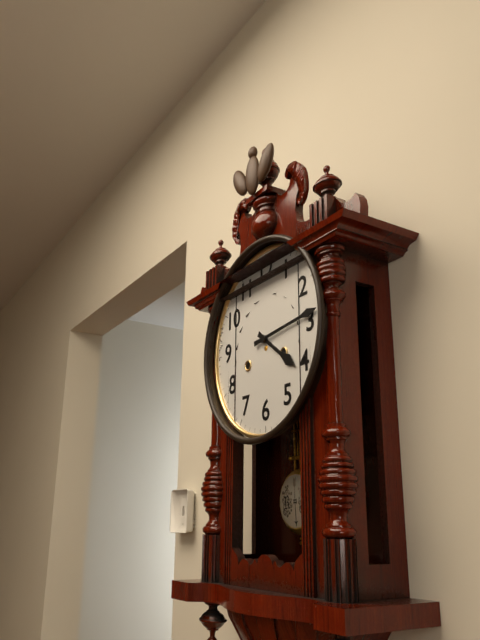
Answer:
4h14
